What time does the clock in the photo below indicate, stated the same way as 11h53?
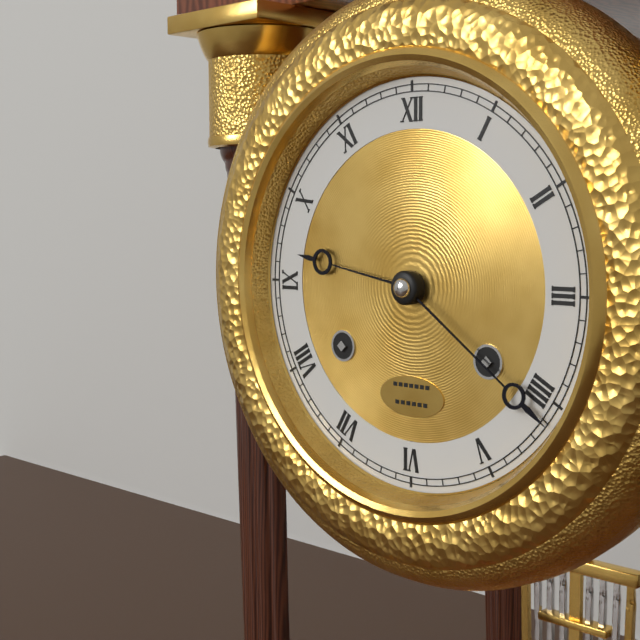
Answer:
9h21
